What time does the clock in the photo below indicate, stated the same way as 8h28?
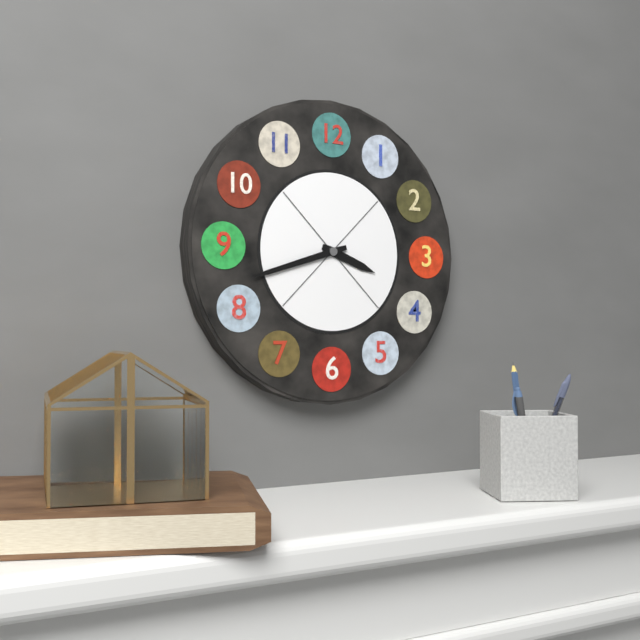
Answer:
3h42
